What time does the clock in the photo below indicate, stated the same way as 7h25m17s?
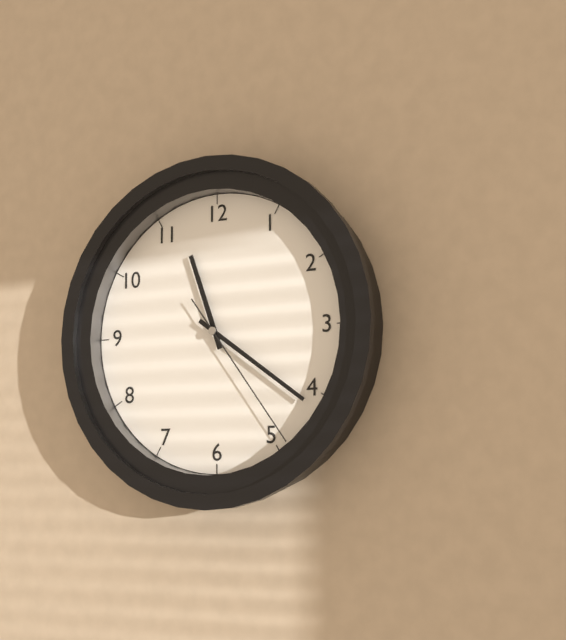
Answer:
11h21m24s
